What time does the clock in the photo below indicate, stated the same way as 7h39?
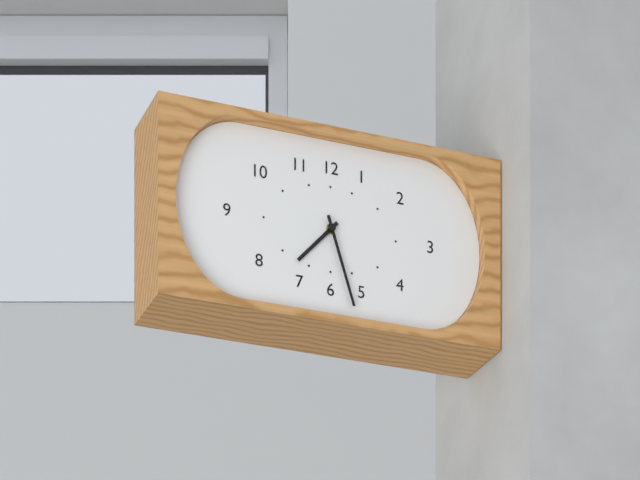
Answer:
7h27
